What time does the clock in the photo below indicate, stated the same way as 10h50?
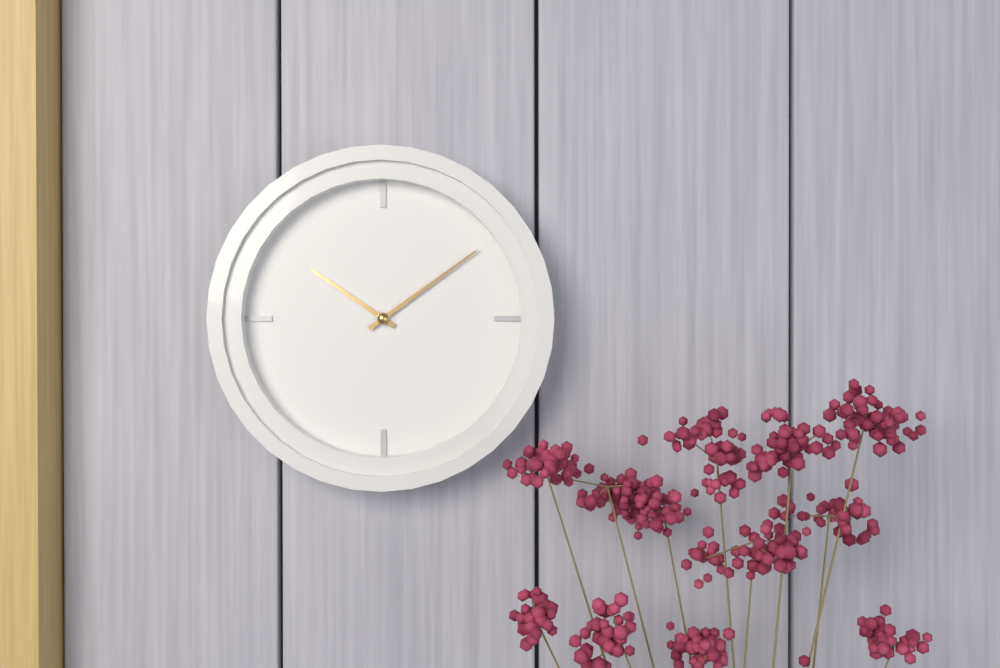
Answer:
10h09
